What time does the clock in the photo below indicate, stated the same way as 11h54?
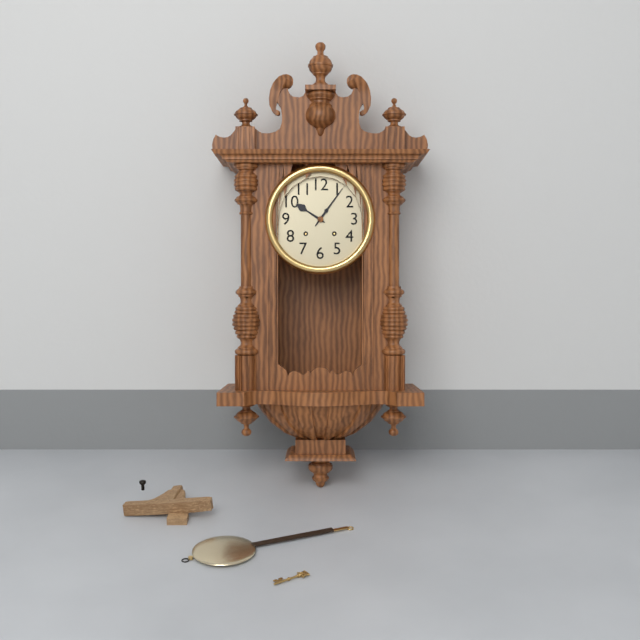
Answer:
10h06
